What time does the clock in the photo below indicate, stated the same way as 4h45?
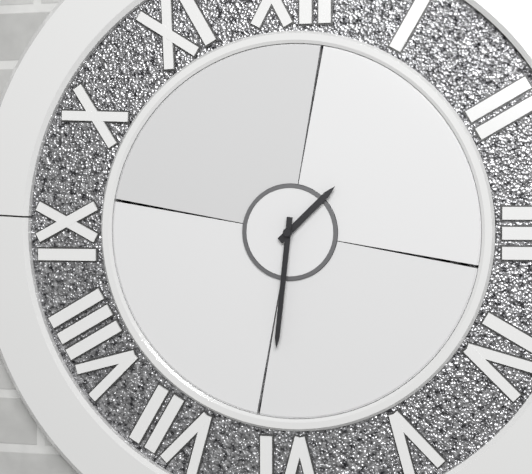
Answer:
1h31
